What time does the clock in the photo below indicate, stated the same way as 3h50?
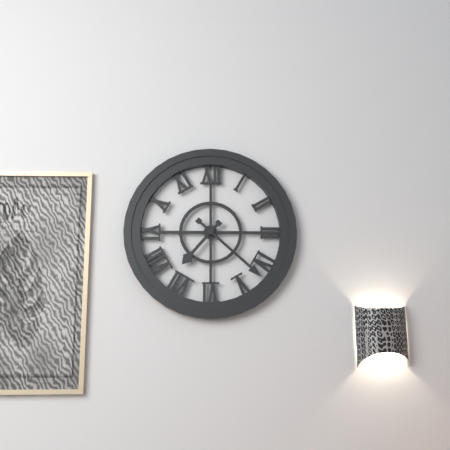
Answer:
7h22
